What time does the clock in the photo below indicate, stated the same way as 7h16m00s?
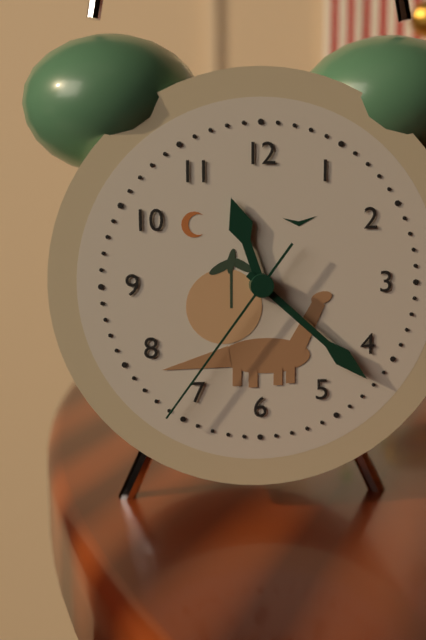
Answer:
11h22m36s
